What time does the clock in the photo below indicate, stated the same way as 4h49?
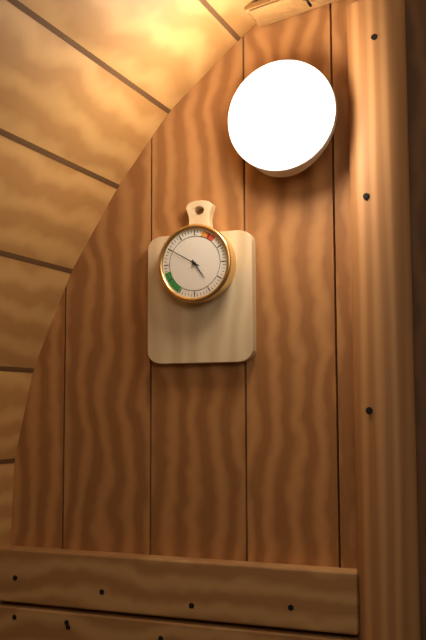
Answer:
4h50
